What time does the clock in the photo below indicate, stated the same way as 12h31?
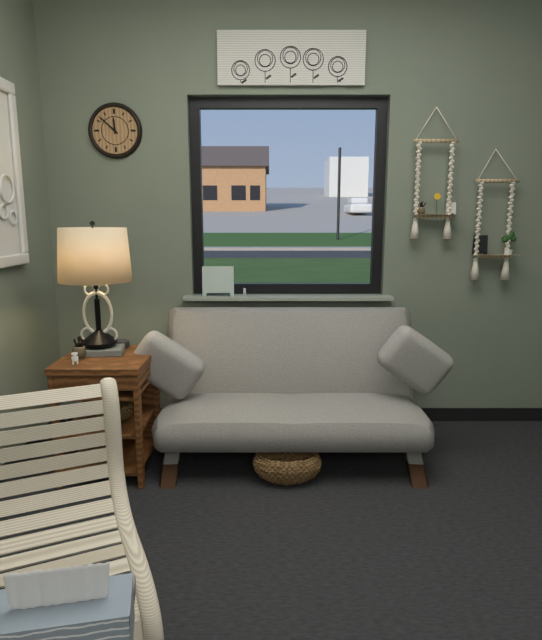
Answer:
11h52
